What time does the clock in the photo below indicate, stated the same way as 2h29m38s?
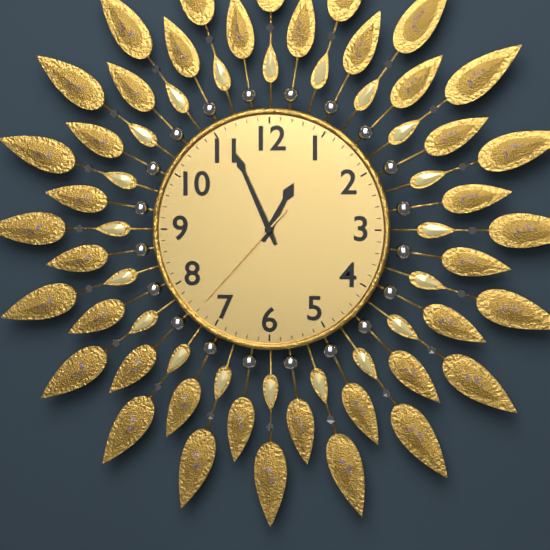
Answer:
12h56m37s
